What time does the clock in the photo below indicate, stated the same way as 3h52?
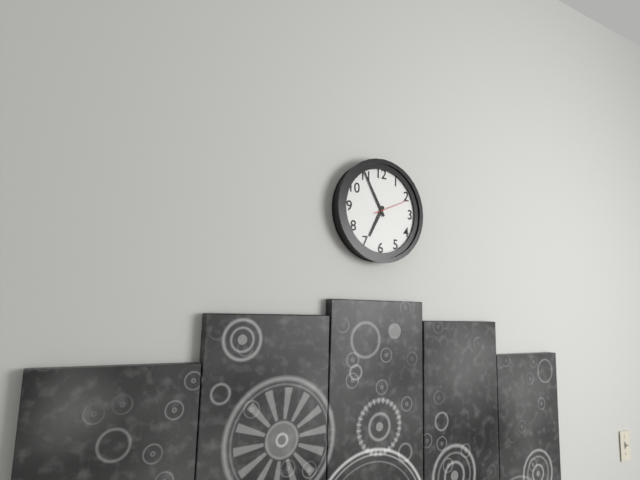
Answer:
6h55
